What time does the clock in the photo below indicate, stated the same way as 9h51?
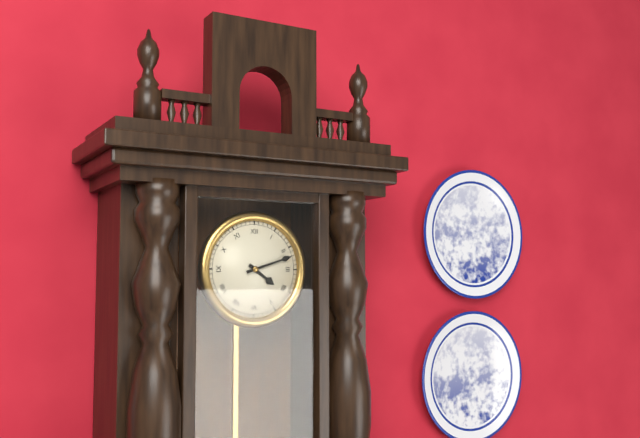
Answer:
4h12
